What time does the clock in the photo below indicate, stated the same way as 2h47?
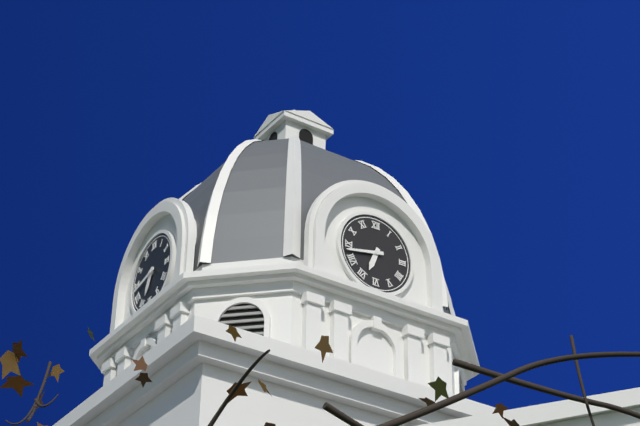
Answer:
6h43
